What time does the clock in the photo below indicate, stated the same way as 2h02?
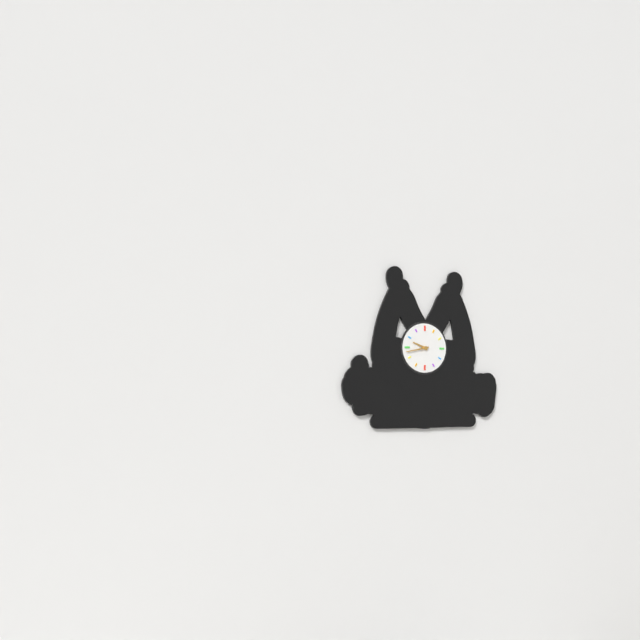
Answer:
9h43
